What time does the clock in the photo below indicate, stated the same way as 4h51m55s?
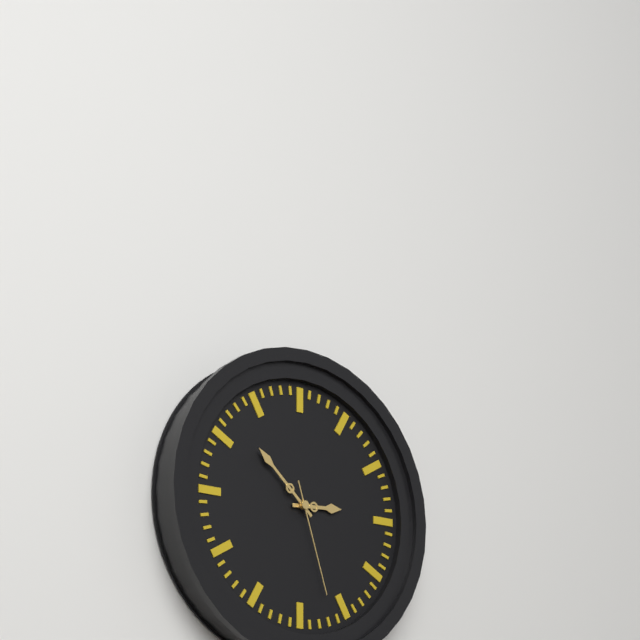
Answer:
2h52m27s
